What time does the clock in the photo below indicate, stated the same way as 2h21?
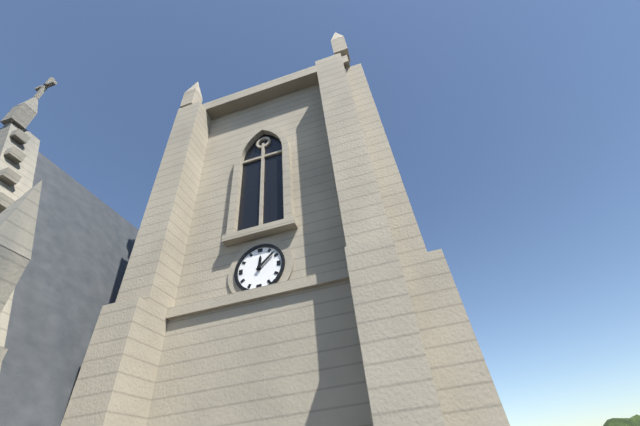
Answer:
12h08
